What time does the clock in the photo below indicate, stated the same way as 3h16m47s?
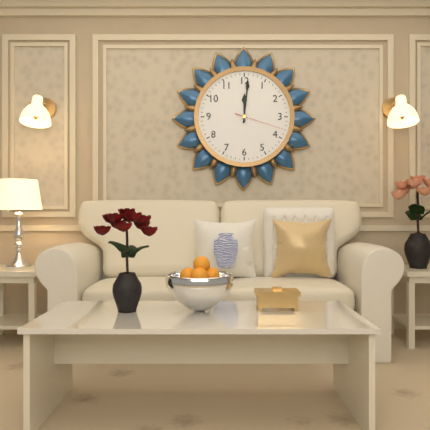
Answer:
12h01m18s
